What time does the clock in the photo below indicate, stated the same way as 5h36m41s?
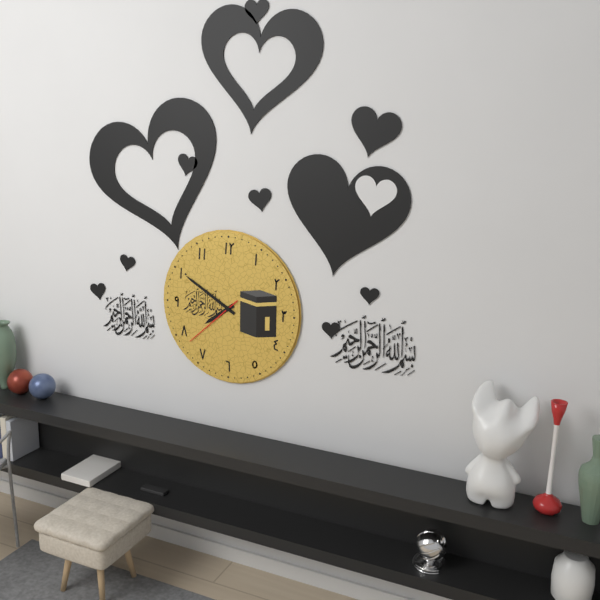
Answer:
7h50m38s
